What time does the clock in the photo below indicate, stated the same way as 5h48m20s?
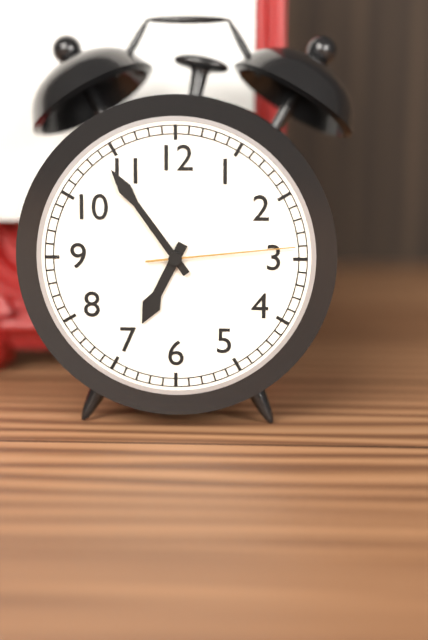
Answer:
6h54m14s
